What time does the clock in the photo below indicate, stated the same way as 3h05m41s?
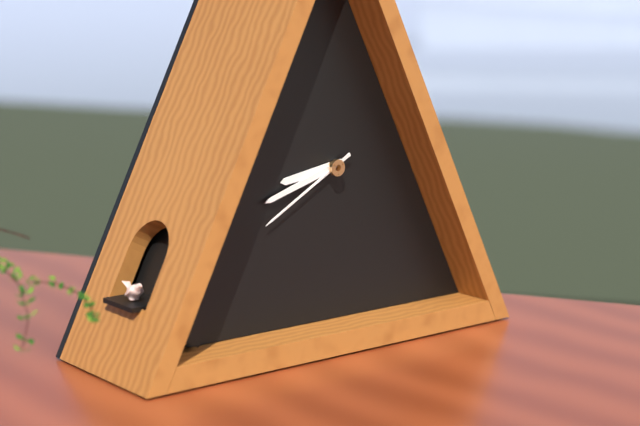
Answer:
8h42m40s
